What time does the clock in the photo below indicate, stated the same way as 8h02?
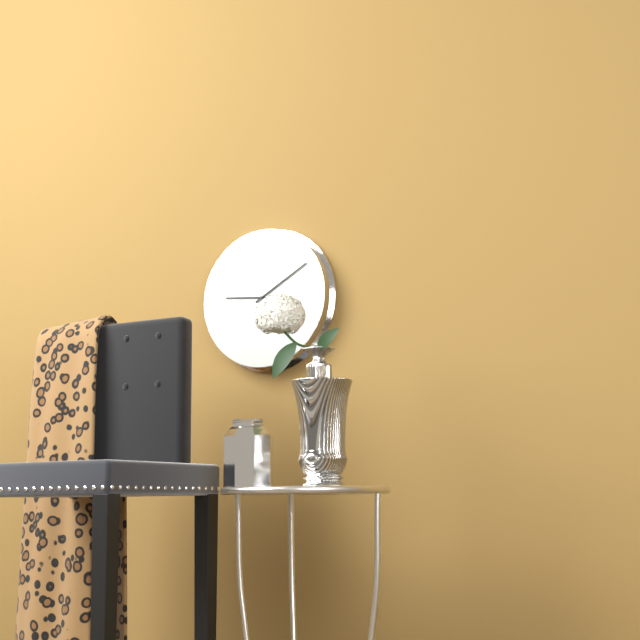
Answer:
9h10
